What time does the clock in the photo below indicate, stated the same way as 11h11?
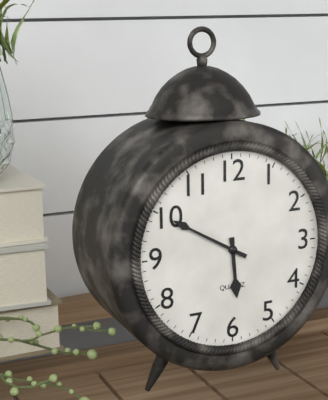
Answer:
5h50
